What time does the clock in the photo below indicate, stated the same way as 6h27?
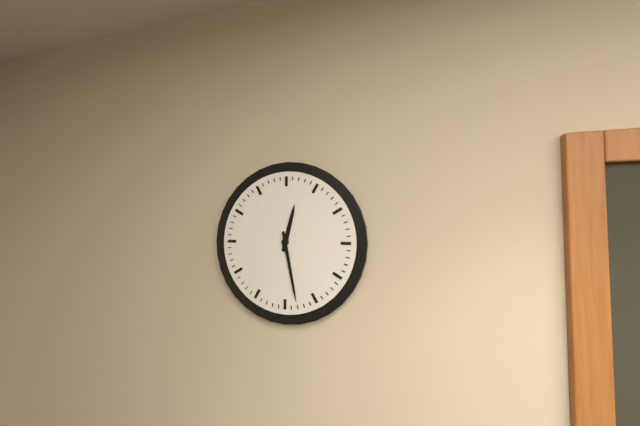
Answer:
12h28
